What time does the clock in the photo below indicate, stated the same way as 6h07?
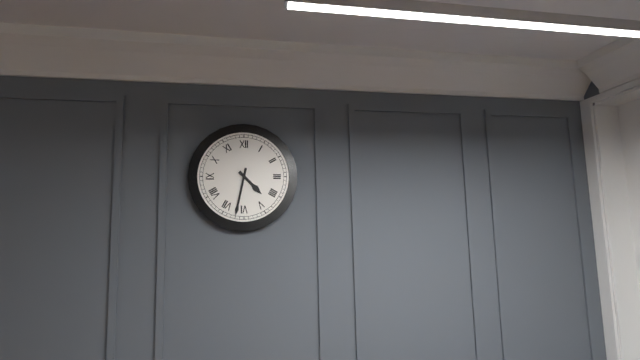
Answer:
4h32
